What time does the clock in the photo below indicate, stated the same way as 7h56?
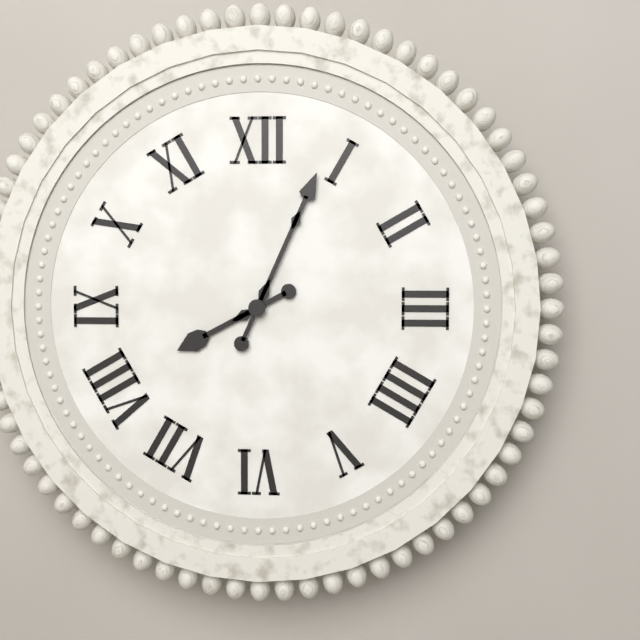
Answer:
8h04
